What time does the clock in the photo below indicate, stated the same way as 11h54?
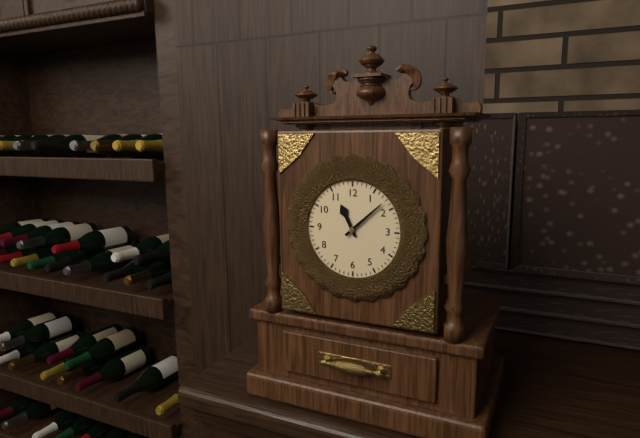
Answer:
11h08
